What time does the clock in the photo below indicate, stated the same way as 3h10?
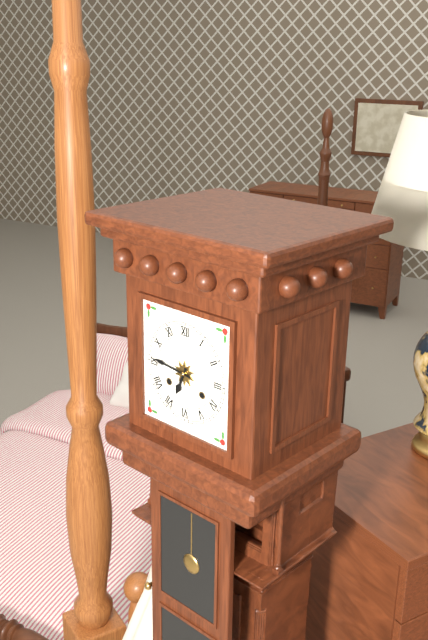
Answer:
6h46
